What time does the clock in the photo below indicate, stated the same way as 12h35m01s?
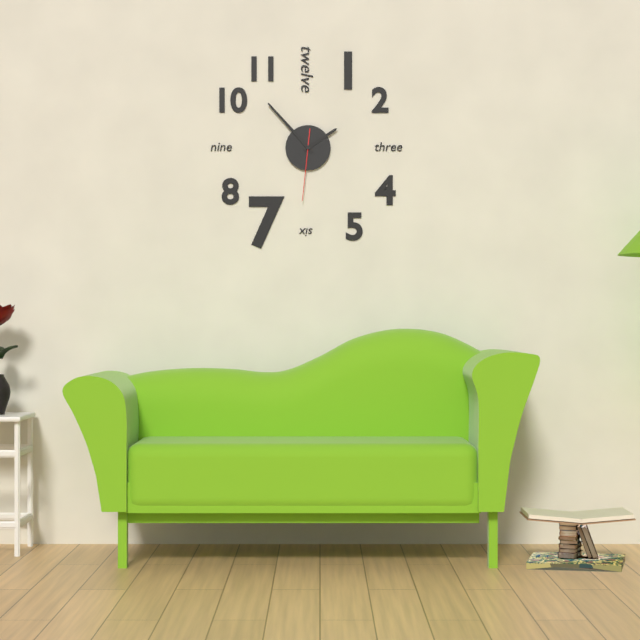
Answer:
1h53m31s
